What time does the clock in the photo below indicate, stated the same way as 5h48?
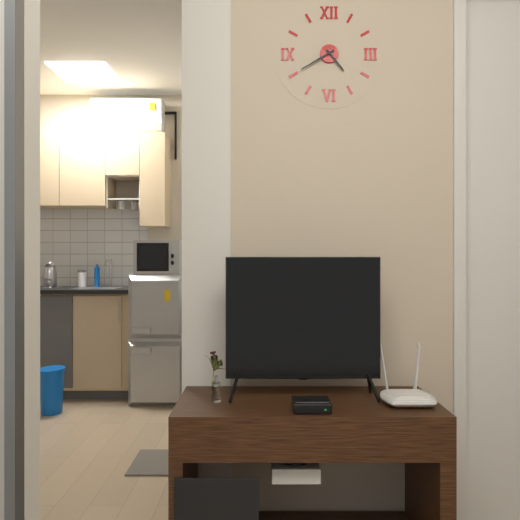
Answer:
4h40
